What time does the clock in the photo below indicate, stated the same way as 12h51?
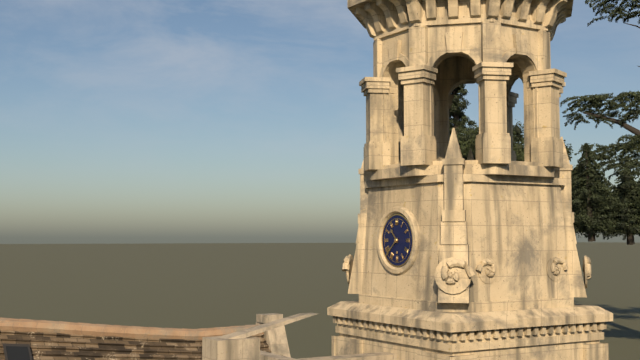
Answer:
10h38
